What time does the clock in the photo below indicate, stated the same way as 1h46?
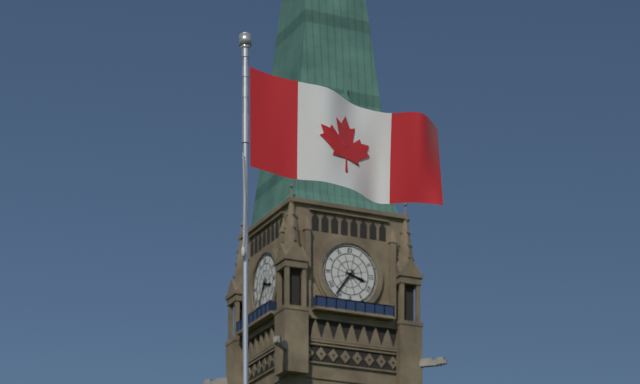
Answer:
3h36
